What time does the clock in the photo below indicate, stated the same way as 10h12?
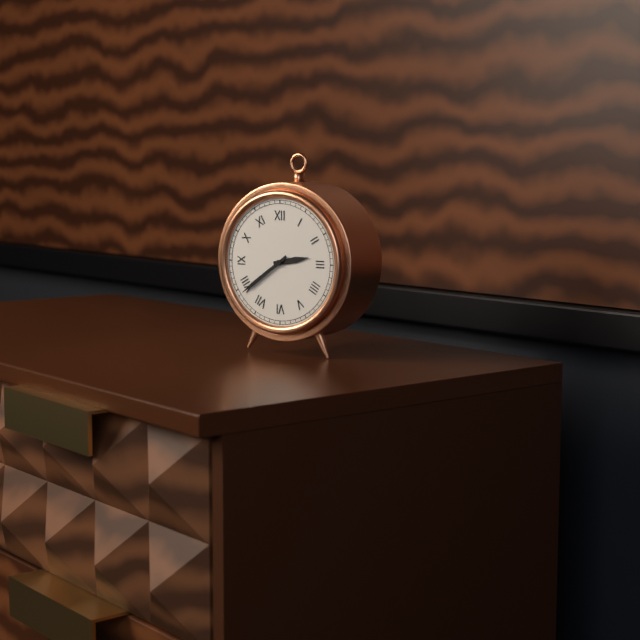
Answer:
2h39
